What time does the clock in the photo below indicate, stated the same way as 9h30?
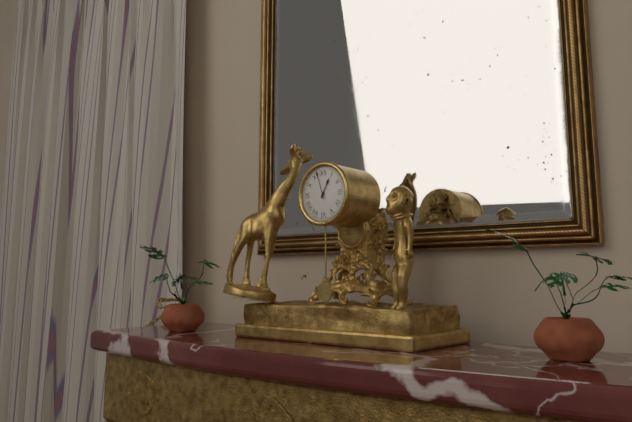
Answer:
12h57
